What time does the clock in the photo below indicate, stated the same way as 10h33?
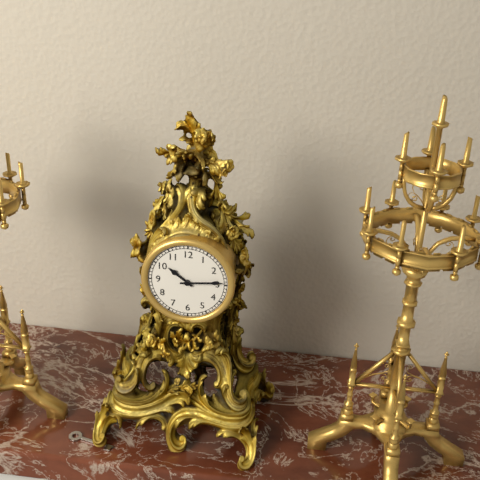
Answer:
10h14
